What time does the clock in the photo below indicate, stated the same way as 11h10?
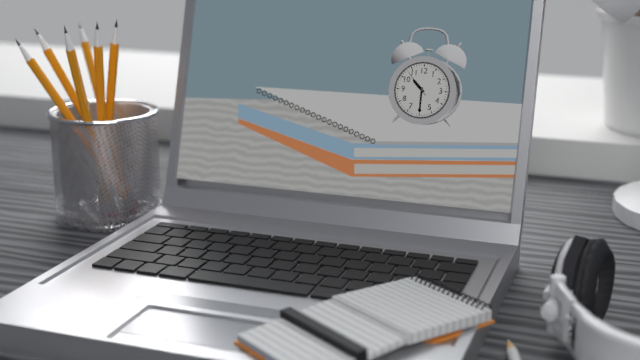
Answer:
10h30
